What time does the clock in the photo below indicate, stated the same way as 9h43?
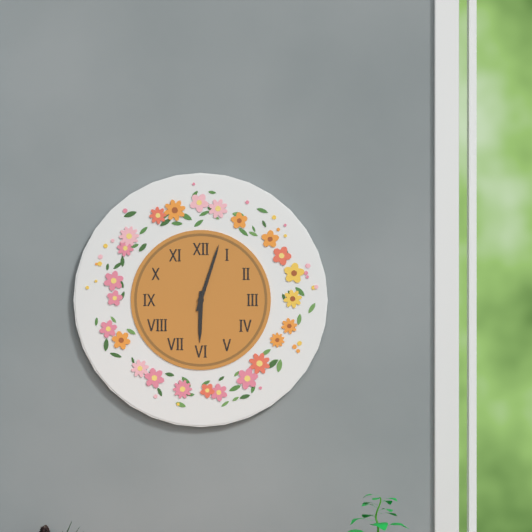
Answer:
6h03
